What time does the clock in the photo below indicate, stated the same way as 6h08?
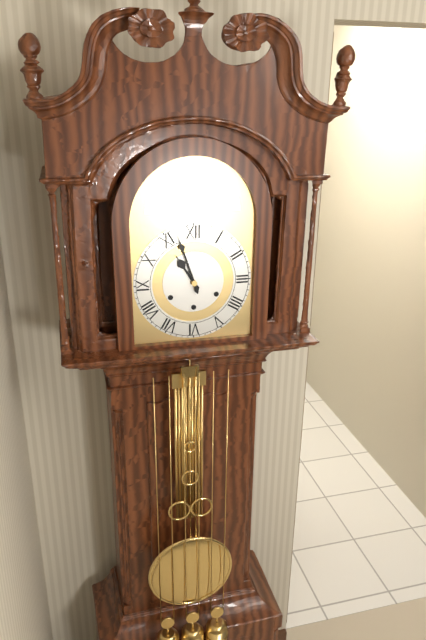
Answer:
10h57
